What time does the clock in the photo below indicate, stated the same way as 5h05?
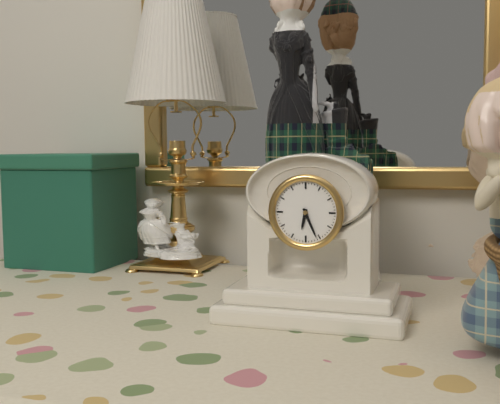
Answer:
6h26
